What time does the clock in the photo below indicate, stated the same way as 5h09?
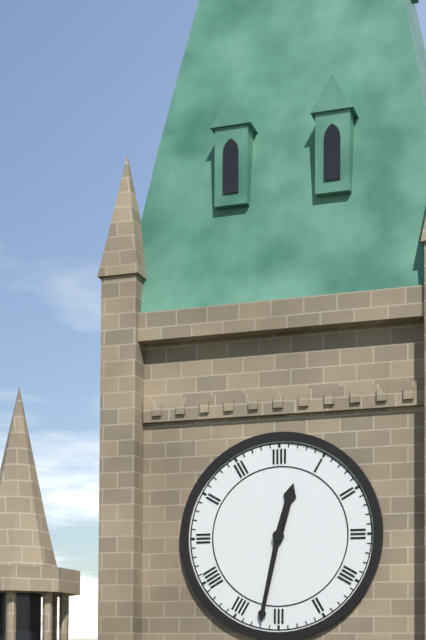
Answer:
12h32
